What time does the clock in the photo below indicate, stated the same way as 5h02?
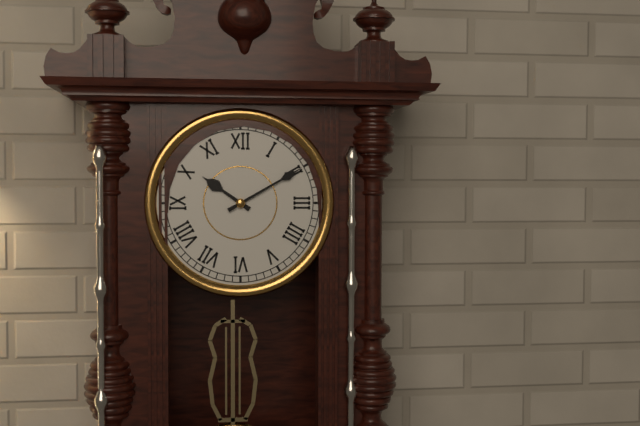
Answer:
10h10
